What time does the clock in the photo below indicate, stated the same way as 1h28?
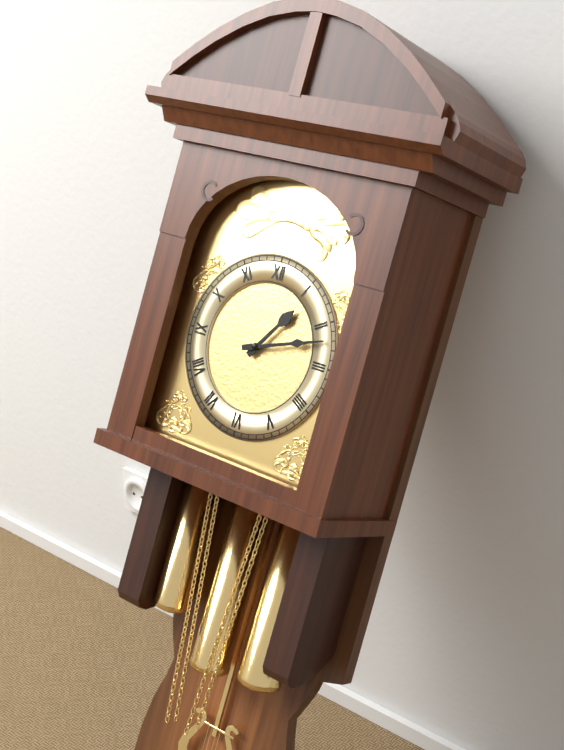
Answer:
1h12
